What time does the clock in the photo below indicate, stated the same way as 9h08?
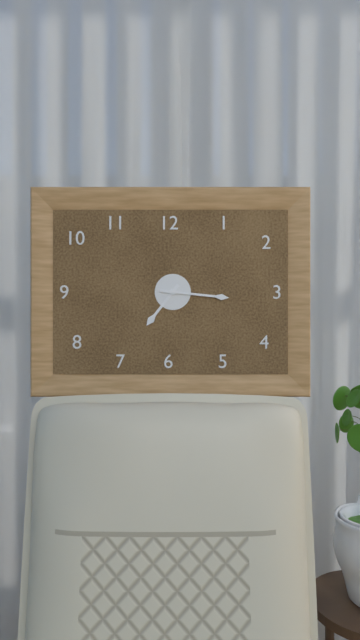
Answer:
7h16
